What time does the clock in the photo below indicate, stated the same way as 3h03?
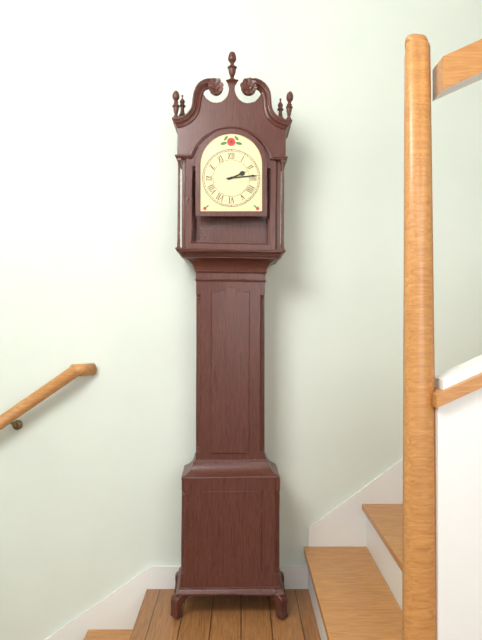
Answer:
2h14
